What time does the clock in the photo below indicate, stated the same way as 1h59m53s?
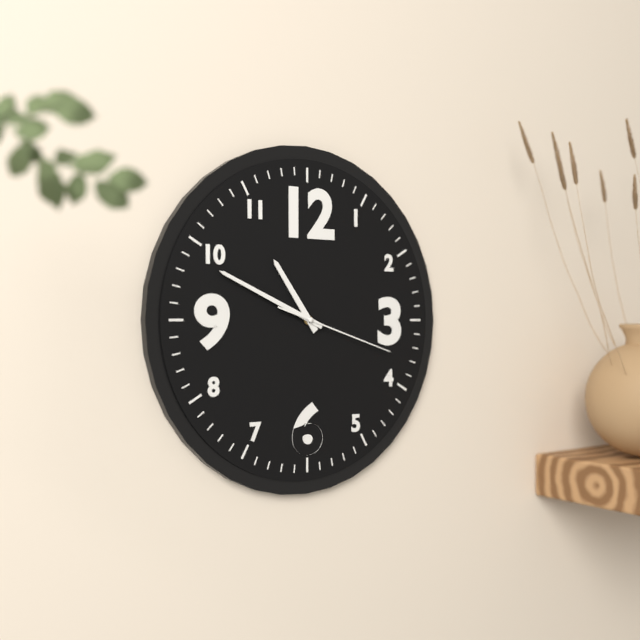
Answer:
10h49m18s
